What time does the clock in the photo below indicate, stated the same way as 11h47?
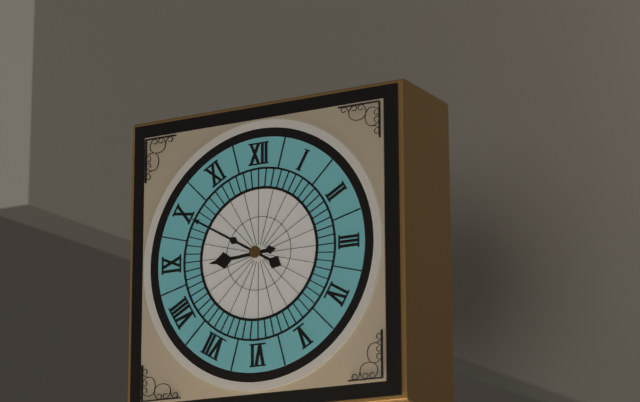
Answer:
8h50
